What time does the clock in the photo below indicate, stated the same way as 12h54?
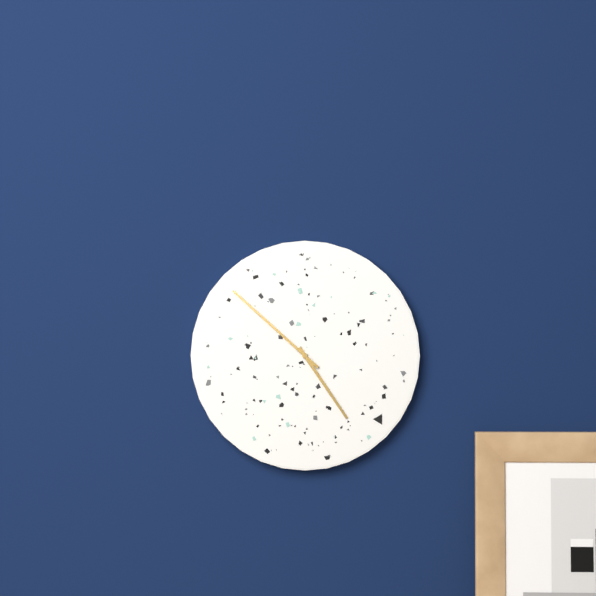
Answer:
4h52
